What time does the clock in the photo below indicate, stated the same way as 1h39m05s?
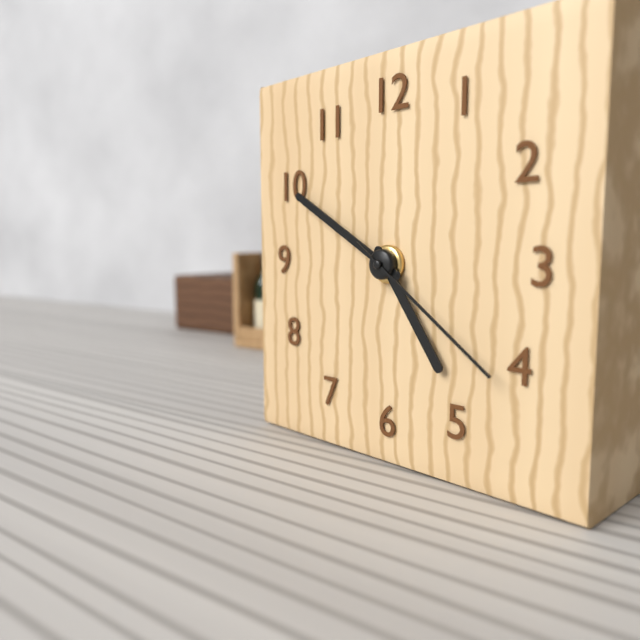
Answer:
4h50m21s
